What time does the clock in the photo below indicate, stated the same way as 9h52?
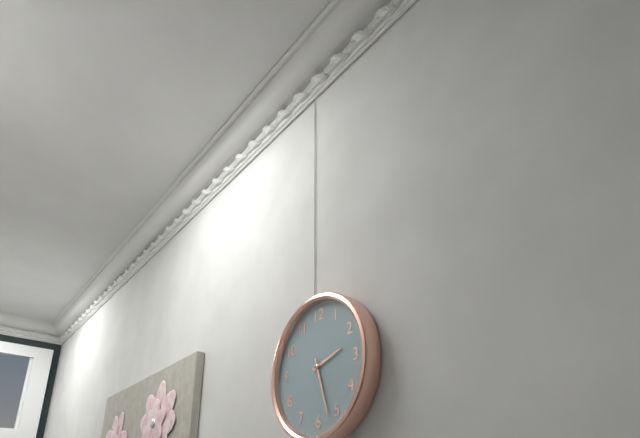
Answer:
2h27
